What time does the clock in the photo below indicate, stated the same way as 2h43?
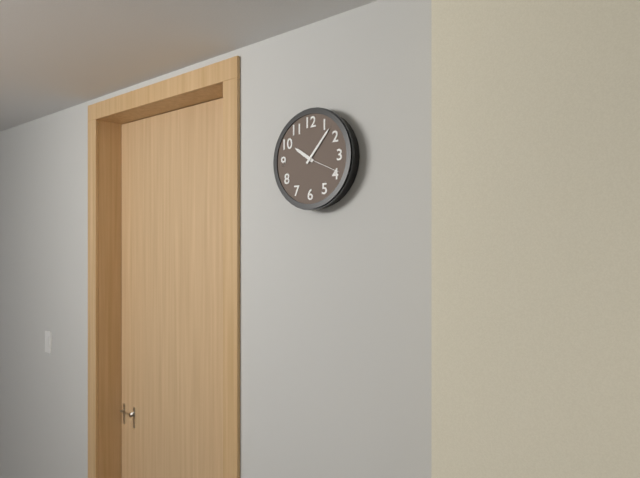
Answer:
10h07
